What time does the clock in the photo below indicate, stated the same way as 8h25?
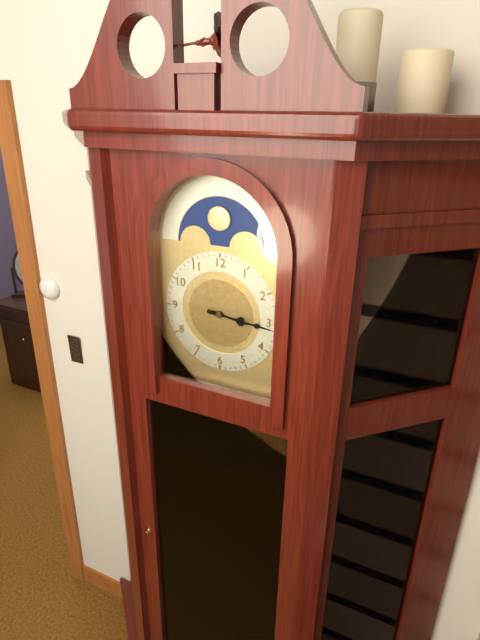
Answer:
3h16
